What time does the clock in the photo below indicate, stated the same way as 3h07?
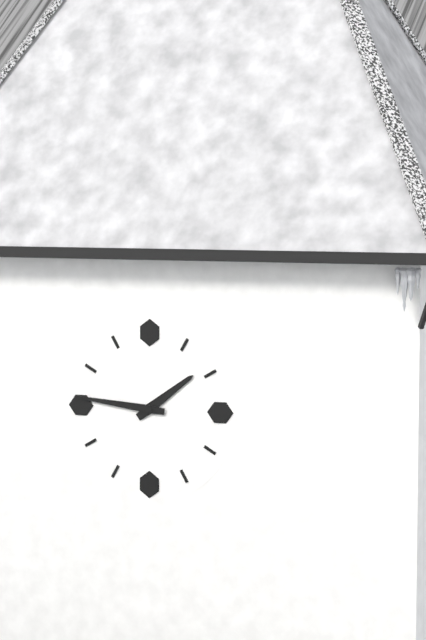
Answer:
1h46
